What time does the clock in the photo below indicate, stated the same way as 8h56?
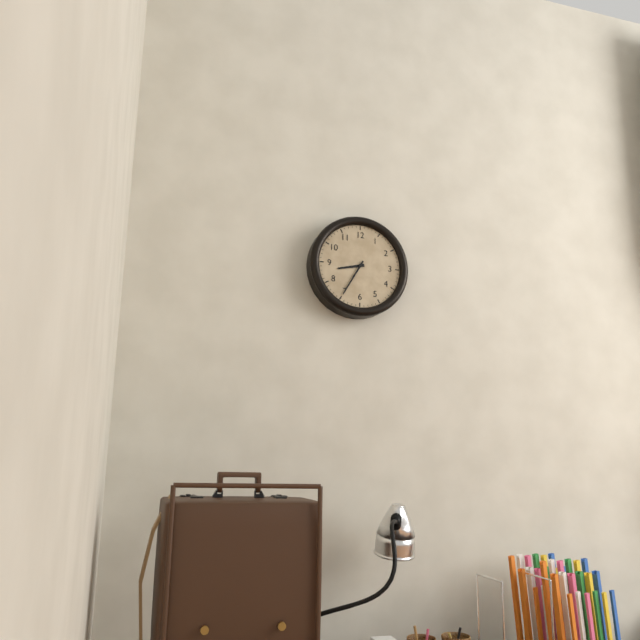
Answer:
8h35
